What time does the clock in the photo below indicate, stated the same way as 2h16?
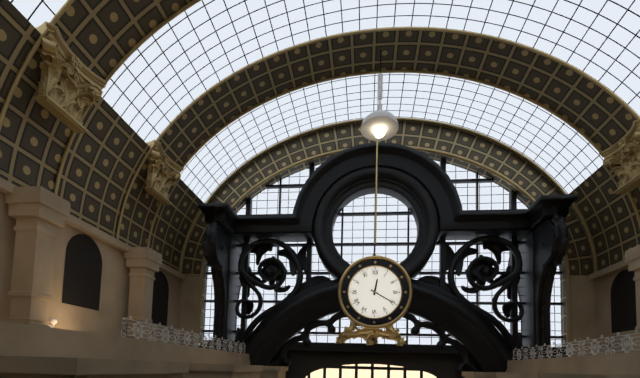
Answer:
12h20
